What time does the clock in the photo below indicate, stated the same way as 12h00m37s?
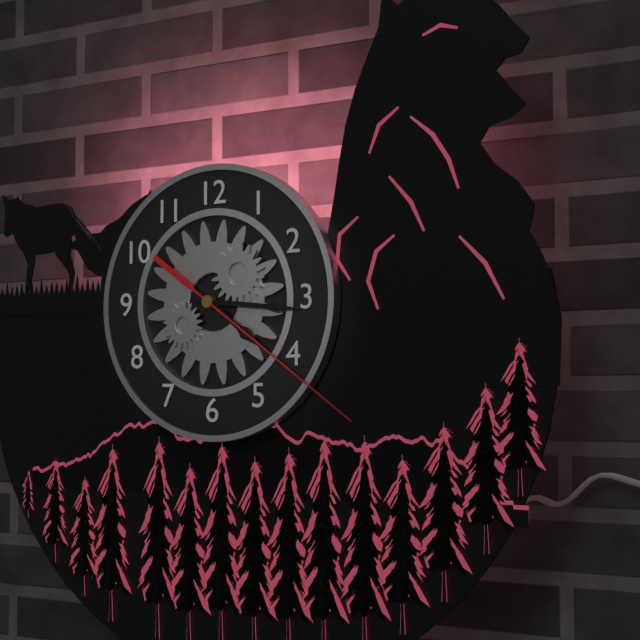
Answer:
4h16m21s
